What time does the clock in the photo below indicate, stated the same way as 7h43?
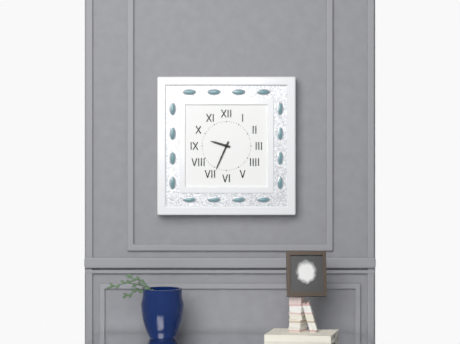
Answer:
9h34
